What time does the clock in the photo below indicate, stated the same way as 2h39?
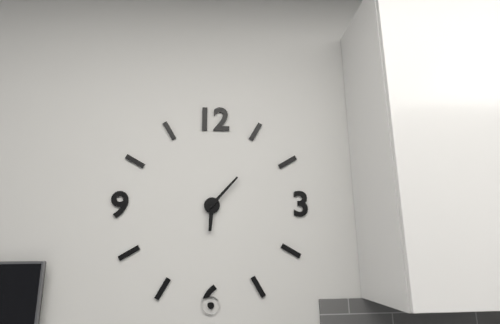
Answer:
6h07
